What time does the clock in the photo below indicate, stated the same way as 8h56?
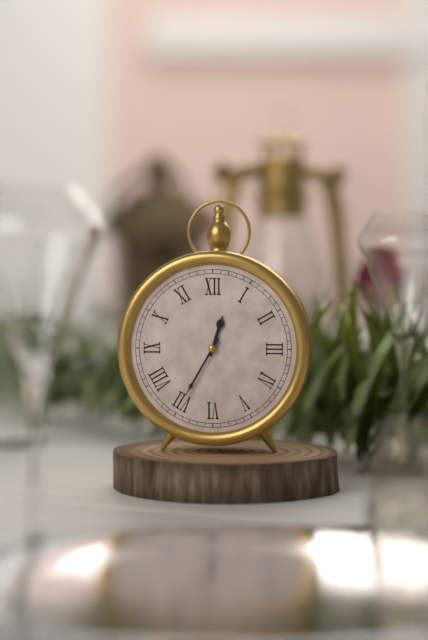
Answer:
12h35
